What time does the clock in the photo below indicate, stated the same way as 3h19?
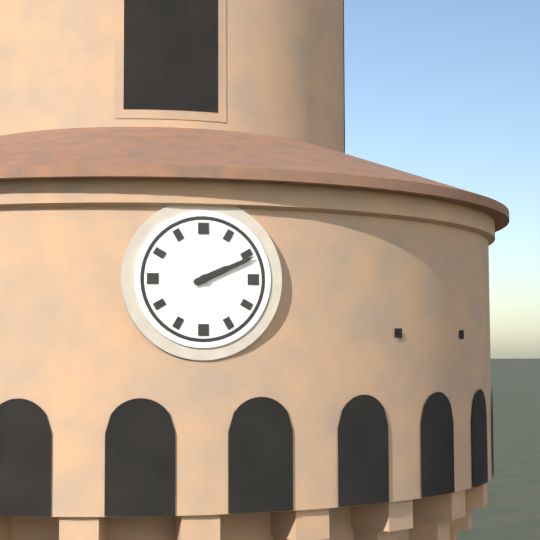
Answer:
2h11
